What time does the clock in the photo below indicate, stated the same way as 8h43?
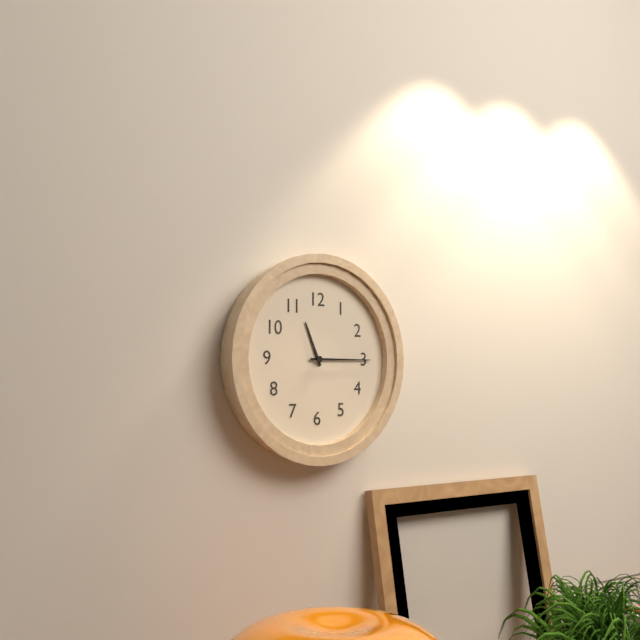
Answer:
11h15
